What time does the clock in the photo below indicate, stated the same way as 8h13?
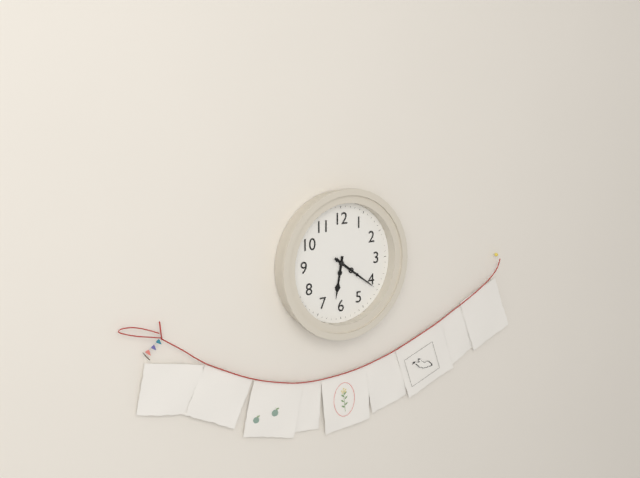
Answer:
6h21
